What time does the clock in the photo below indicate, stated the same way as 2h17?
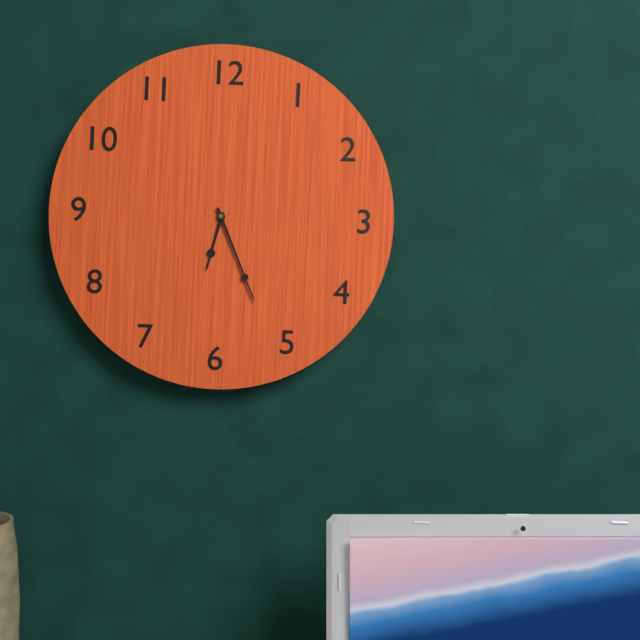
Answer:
6h26
